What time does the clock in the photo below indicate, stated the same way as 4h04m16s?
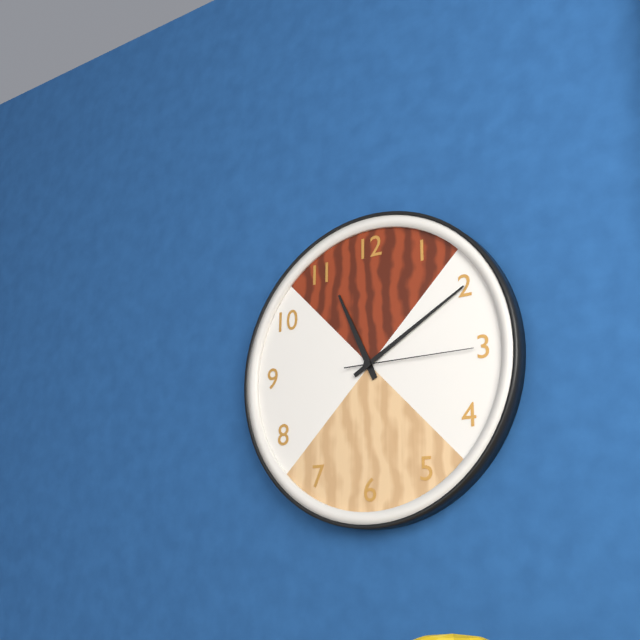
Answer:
11h10m15s
